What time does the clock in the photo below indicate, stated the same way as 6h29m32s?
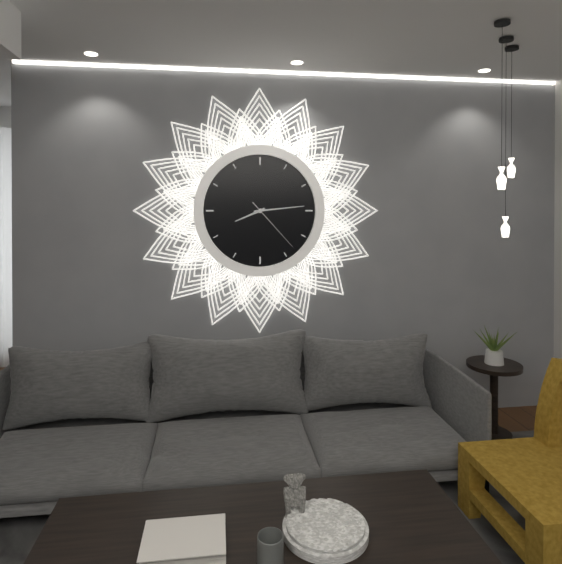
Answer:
8h14m23s
